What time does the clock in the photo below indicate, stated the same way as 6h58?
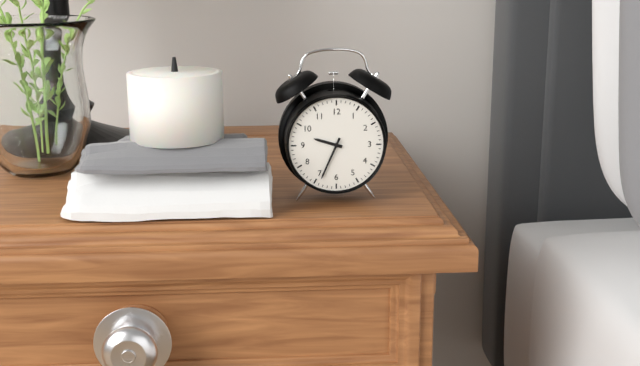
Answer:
9h34
